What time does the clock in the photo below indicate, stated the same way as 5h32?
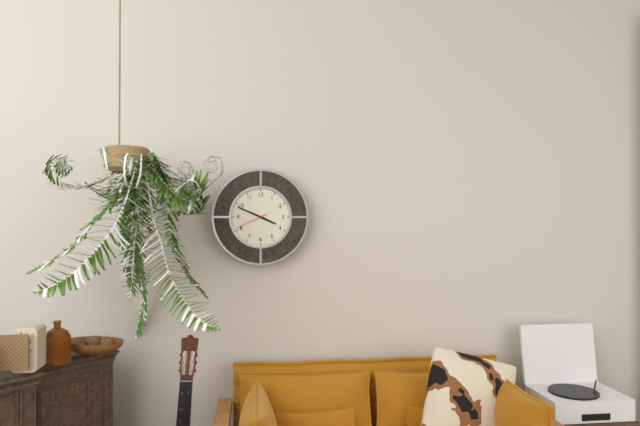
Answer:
3h49
